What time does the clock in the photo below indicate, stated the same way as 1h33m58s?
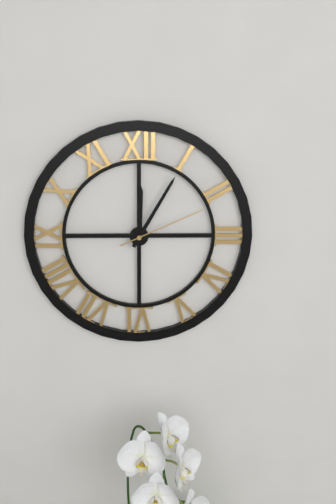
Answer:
12h05m11s
